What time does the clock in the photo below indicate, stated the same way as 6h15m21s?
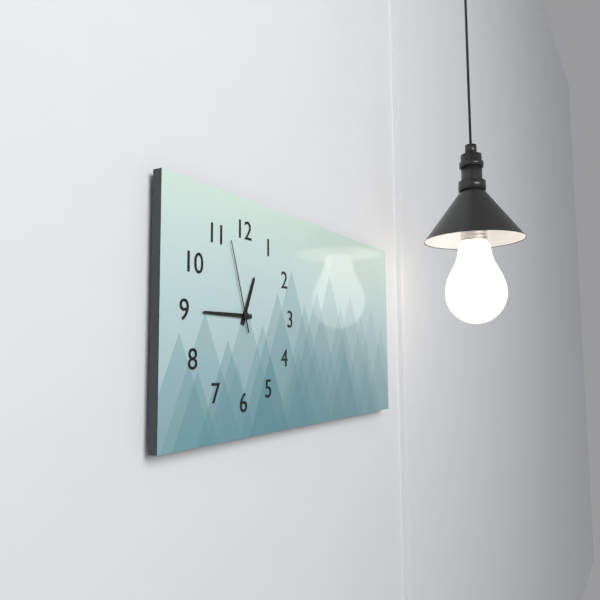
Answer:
12h45m57s
